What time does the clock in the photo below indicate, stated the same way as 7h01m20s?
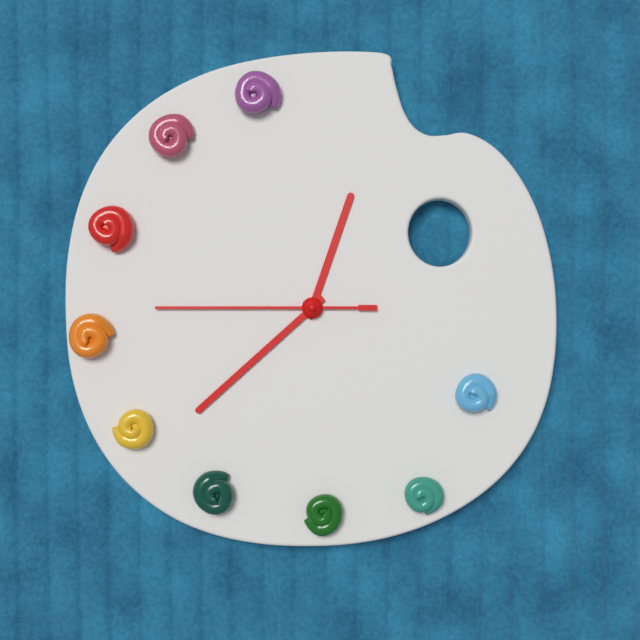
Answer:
12h38m45s
